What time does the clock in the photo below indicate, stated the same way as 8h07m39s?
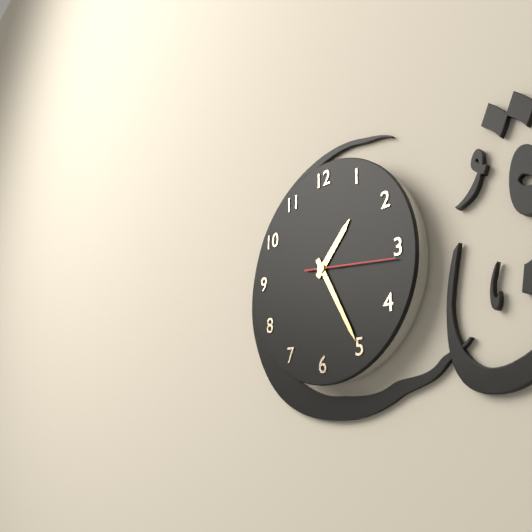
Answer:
1h25m16s
